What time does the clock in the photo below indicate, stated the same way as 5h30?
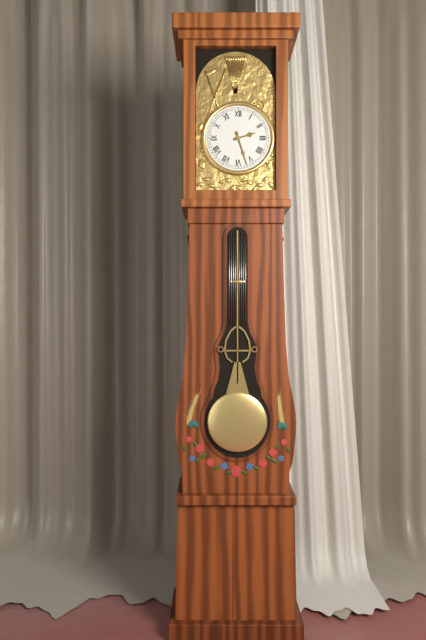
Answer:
2h27
